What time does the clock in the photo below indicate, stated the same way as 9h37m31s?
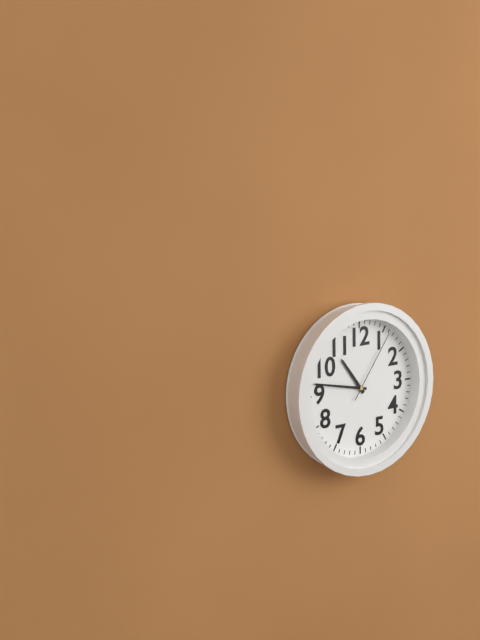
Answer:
10h47m06s
